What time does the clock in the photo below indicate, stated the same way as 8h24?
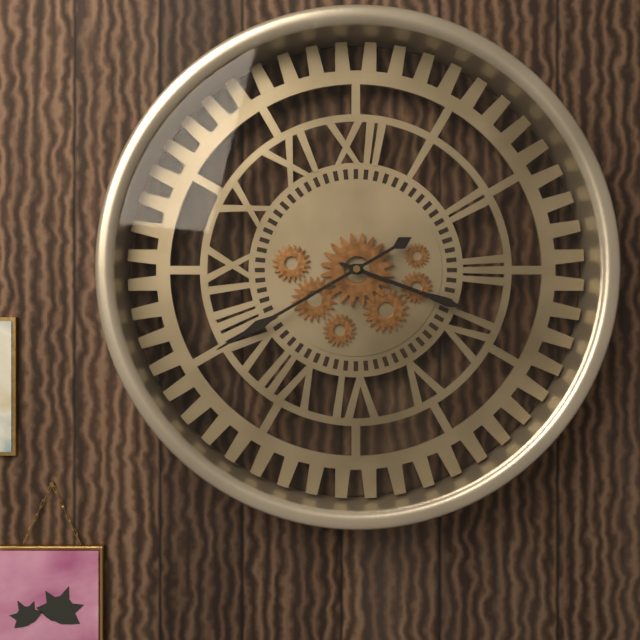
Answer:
3h40
